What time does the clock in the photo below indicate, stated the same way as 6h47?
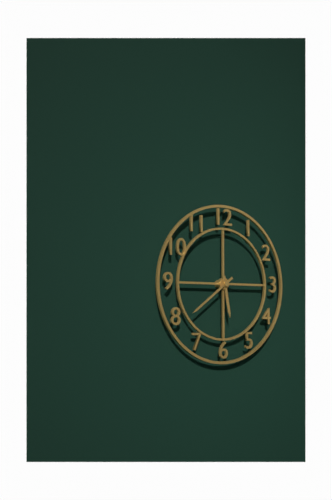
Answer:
5h39
